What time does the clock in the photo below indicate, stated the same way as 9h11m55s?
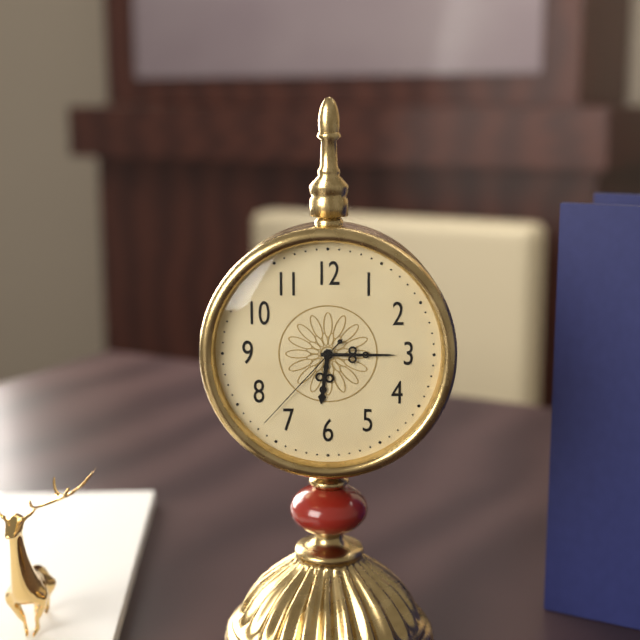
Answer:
6h15m37s
